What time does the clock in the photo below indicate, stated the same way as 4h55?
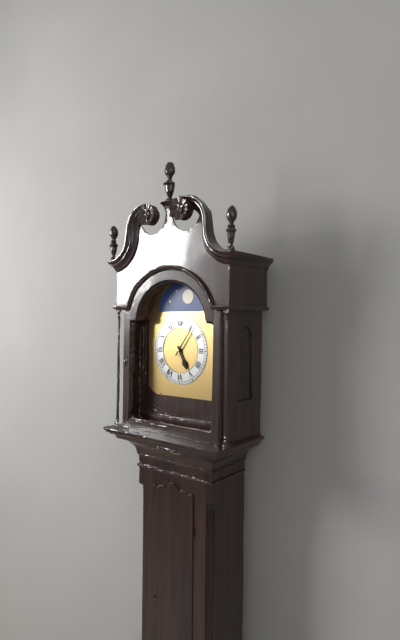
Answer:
5h06
